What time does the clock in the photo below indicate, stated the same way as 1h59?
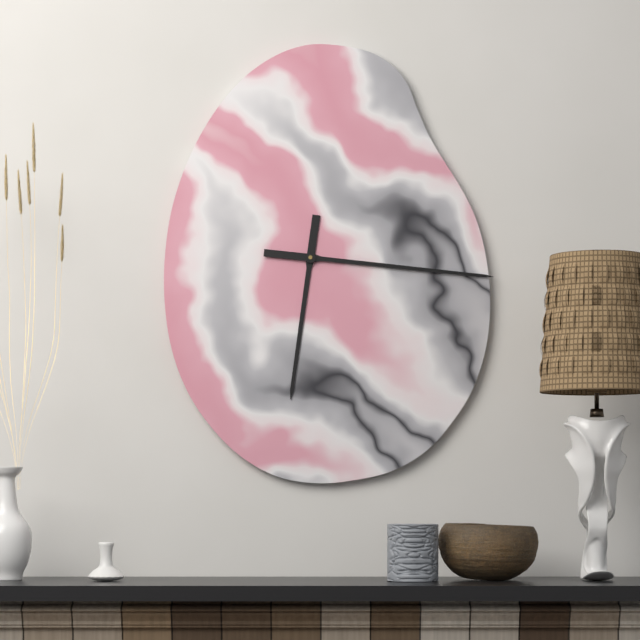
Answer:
6h16
